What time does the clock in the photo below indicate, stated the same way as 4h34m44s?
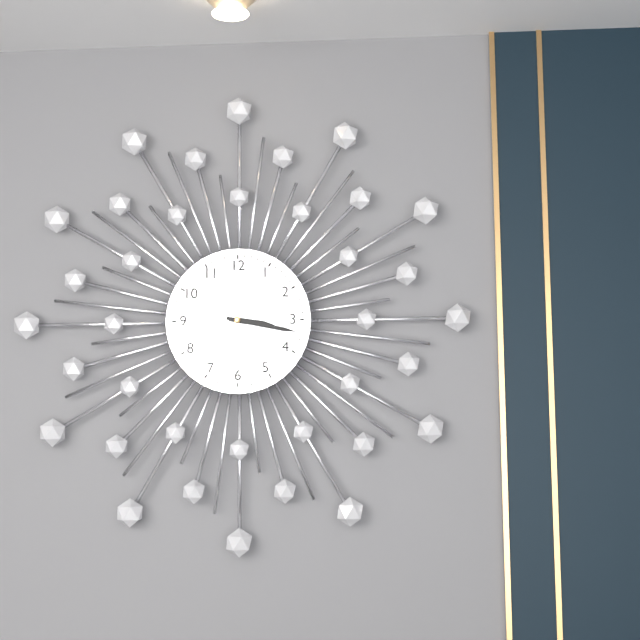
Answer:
3h17m38s
